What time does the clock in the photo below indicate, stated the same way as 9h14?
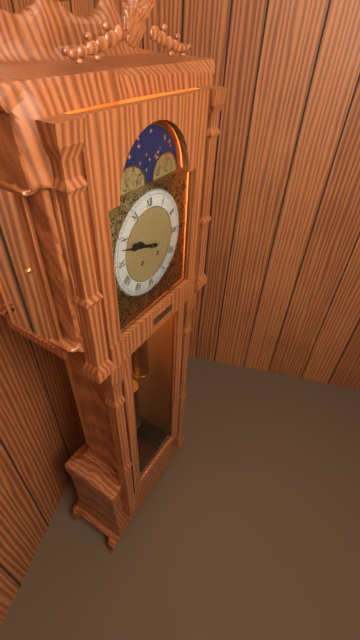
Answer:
9h48
